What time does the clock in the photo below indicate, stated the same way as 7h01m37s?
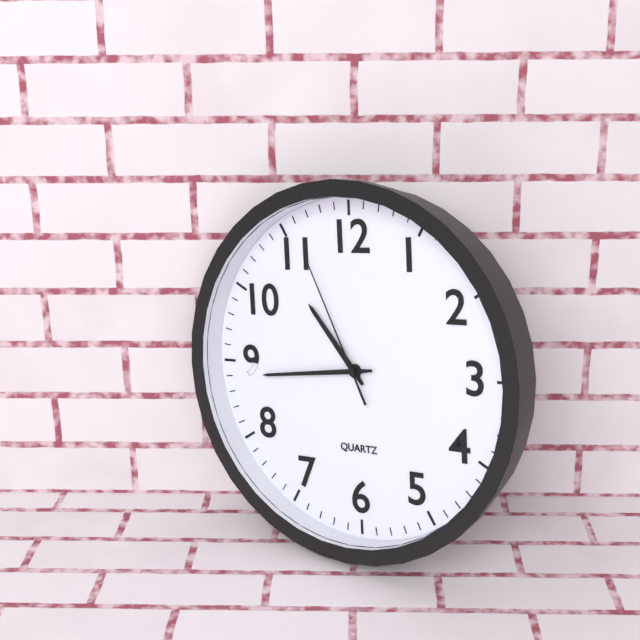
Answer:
10h44m56s
